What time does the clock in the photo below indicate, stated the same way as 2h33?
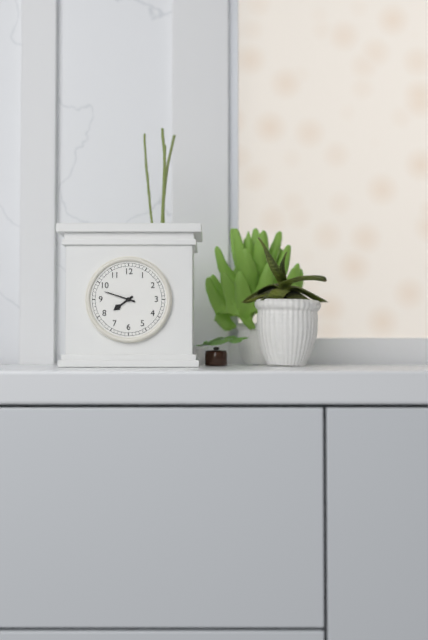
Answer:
7h48
